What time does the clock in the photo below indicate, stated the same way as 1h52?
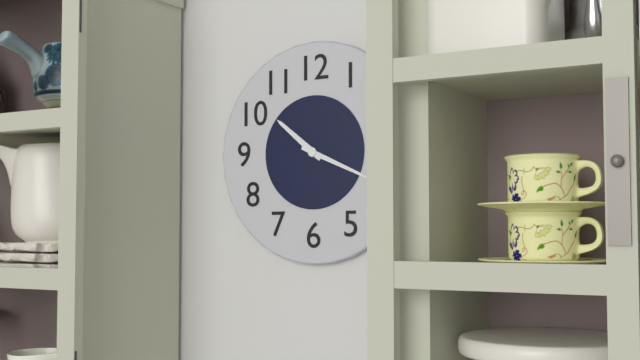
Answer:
10h19
